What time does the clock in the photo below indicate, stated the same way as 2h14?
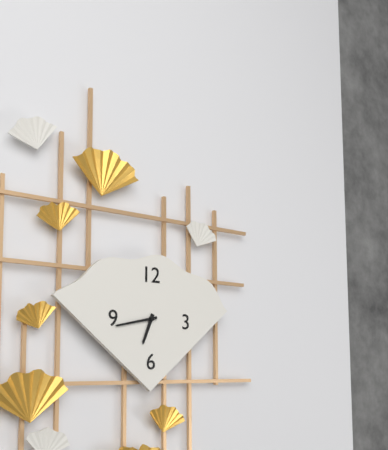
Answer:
6h43
